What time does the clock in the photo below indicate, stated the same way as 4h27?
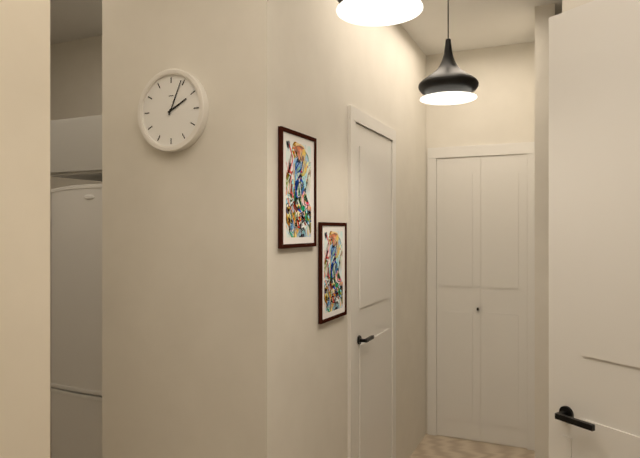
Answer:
2h04
